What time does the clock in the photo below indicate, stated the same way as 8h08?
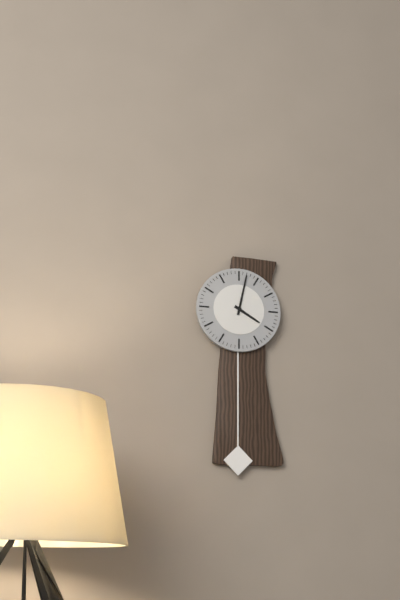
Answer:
4h02
